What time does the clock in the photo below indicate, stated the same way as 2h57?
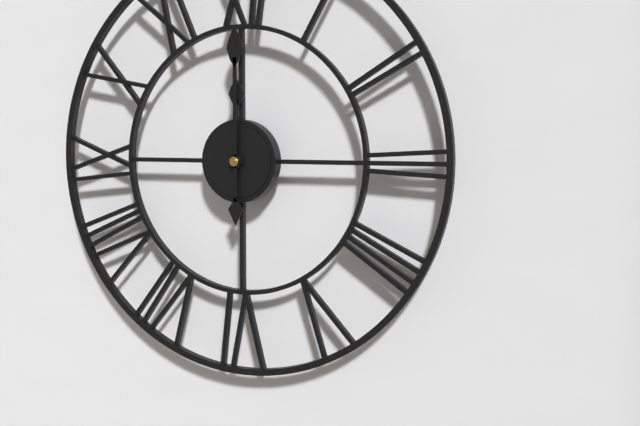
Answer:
12h00
